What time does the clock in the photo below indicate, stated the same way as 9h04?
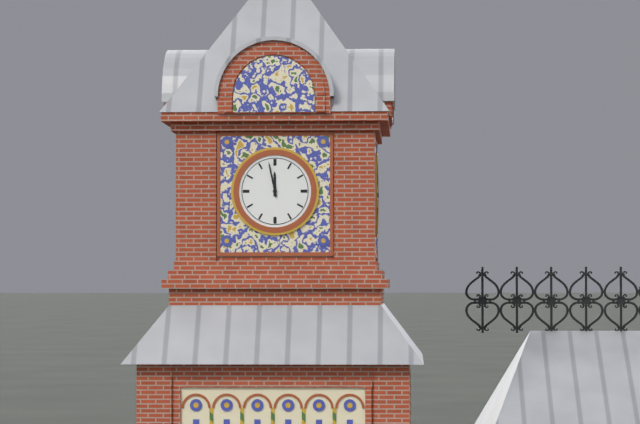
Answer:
11h58
